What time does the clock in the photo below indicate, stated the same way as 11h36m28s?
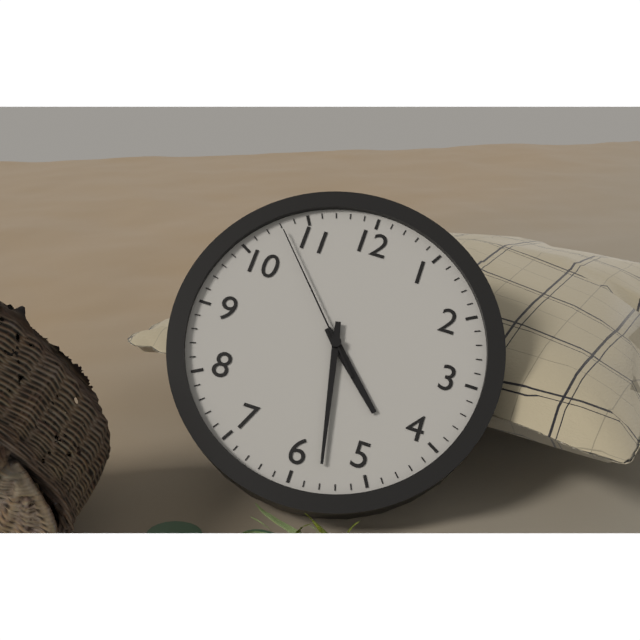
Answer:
4h28m53s
